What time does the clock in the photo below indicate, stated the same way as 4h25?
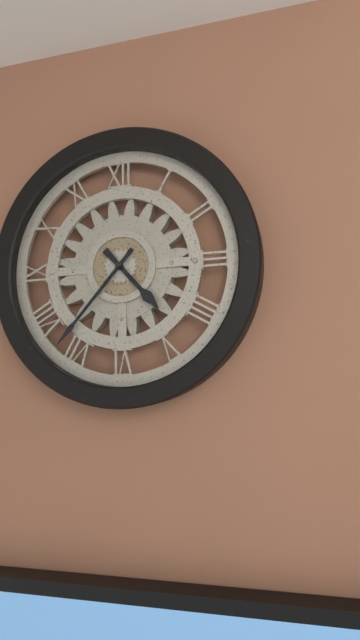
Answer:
4h37
